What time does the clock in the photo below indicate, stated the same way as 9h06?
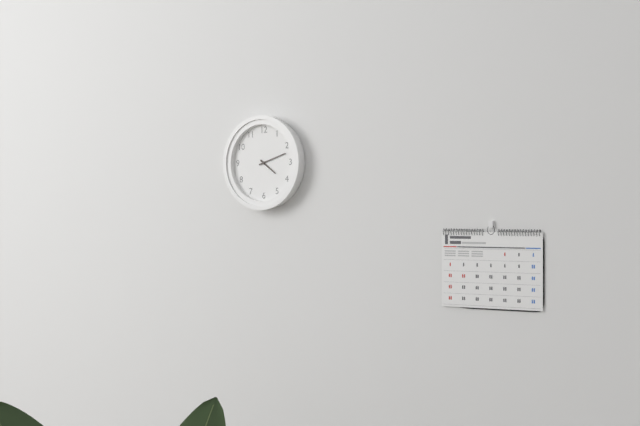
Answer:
4h12
